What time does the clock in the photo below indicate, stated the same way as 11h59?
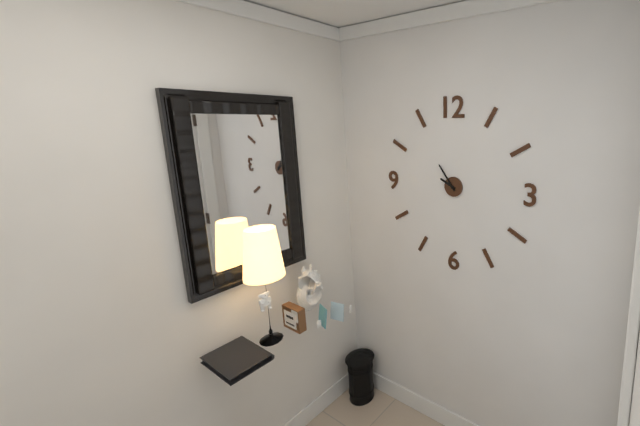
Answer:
9h54
